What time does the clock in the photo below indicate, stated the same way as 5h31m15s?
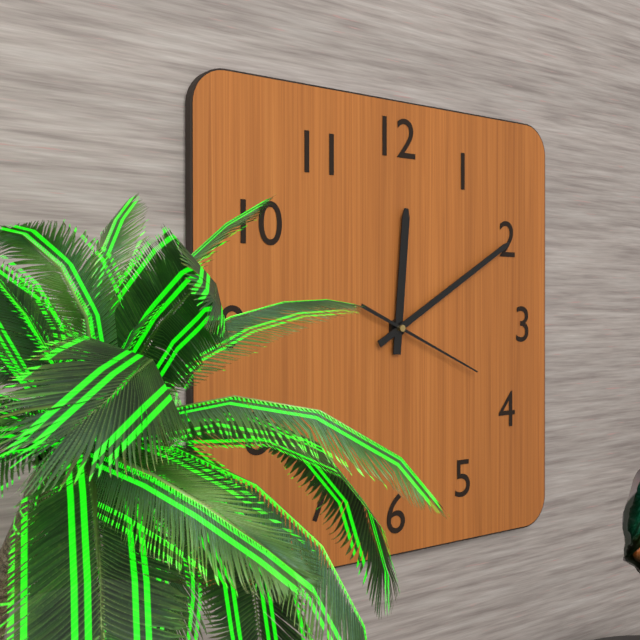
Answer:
12h10m19s
